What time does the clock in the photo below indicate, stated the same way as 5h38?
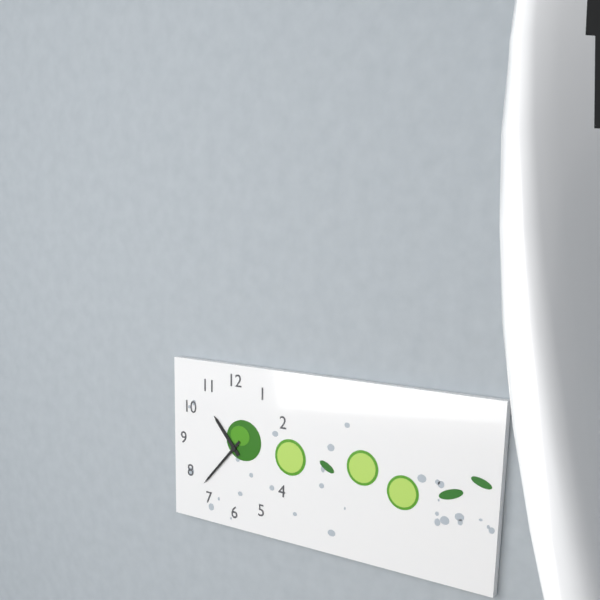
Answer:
10h37
